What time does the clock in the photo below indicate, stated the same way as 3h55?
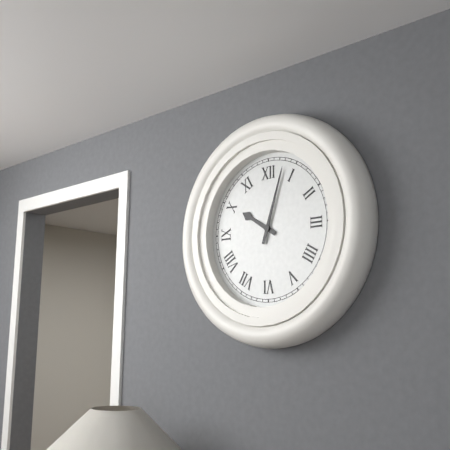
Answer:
10h03
